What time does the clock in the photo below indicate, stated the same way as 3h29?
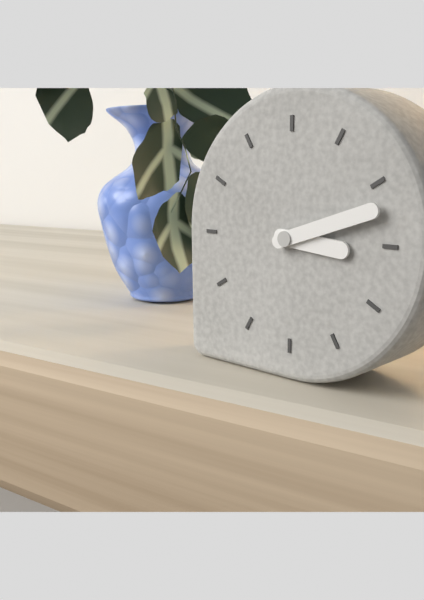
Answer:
3h12
